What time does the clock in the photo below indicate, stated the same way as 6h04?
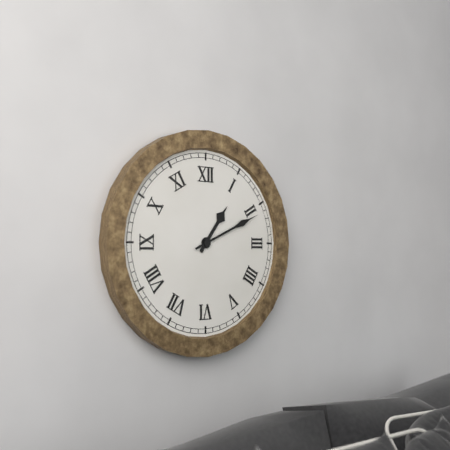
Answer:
1h11
